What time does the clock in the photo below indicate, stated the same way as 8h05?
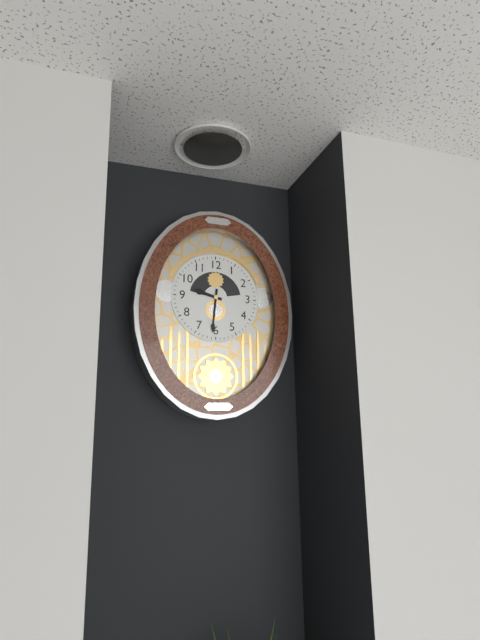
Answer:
9h31
